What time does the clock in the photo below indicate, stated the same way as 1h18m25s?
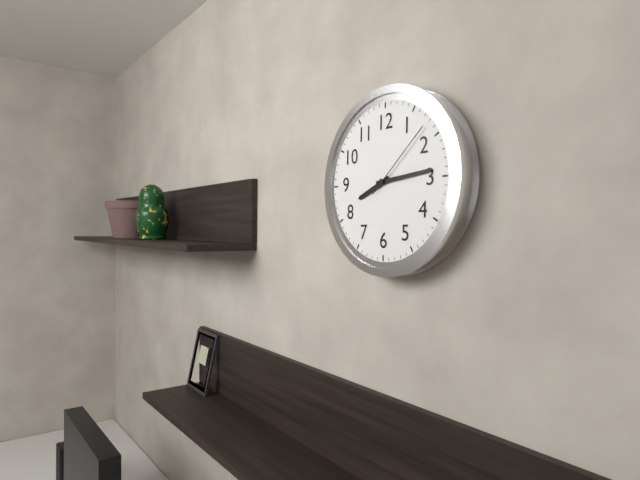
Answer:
8h14m08s
